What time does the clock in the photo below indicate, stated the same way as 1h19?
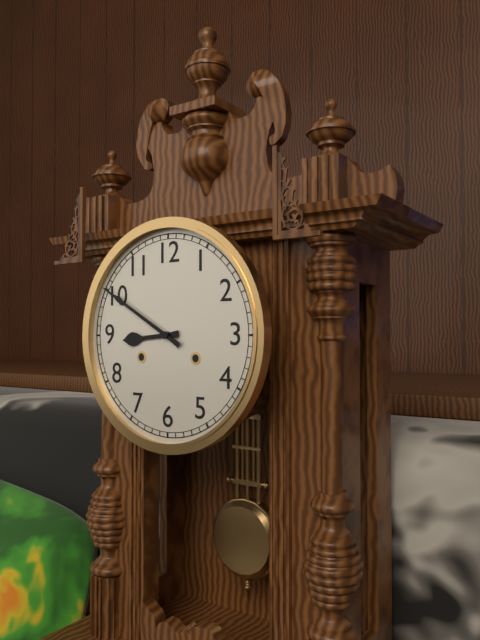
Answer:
8h50
